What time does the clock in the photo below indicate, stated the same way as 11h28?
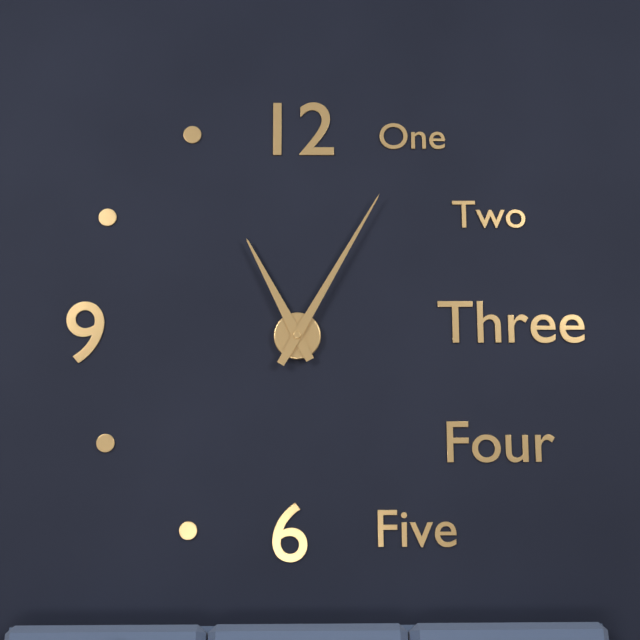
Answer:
11h05
